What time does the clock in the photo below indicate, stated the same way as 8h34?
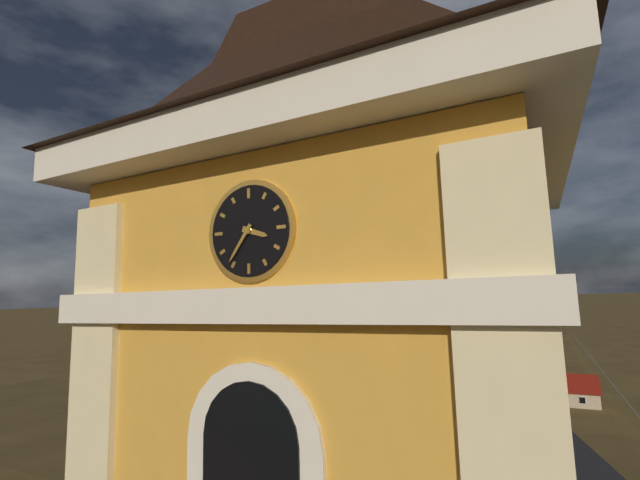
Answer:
3h36
